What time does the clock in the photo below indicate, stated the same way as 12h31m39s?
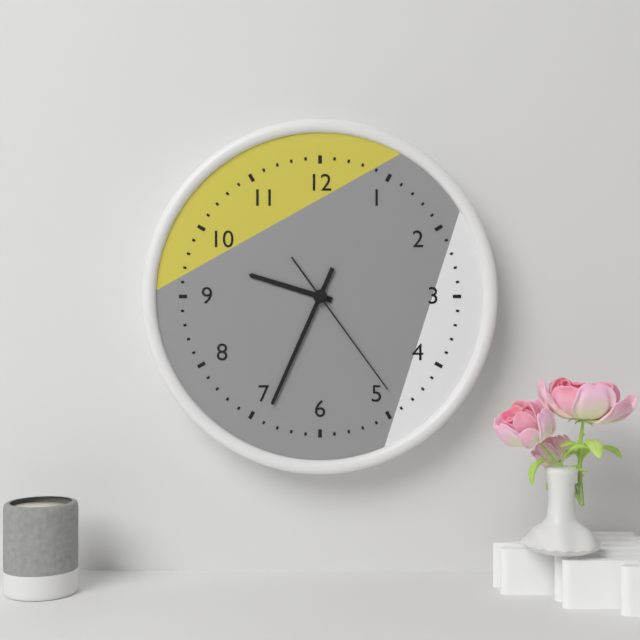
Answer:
9h34m24s
